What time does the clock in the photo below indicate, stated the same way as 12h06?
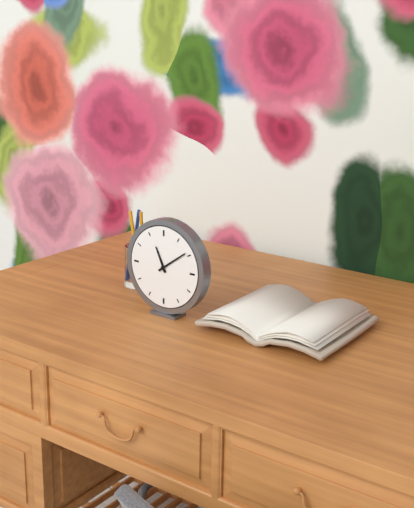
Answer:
11h09
